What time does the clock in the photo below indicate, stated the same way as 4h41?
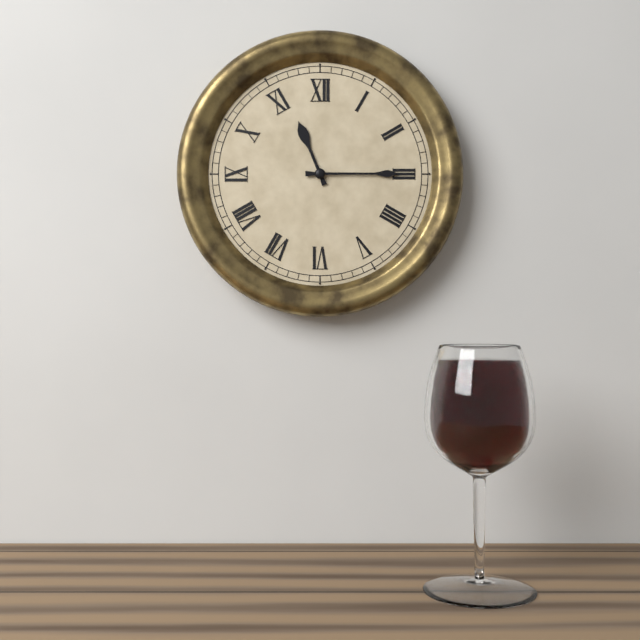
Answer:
11h15
